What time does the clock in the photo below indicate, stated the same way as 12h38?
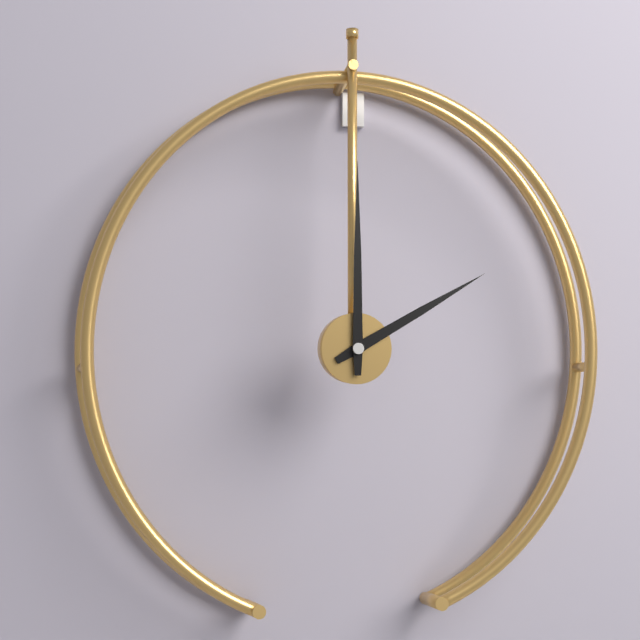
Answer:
2h00
